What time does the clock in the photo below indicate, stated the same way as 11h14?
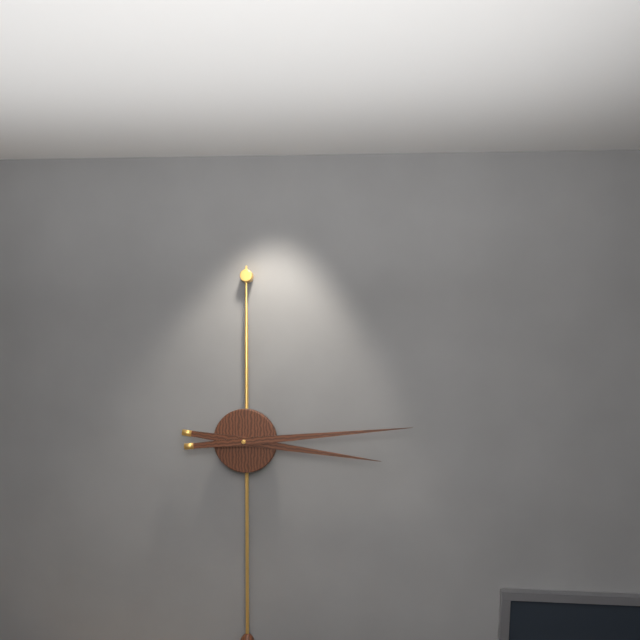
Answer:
3h14
